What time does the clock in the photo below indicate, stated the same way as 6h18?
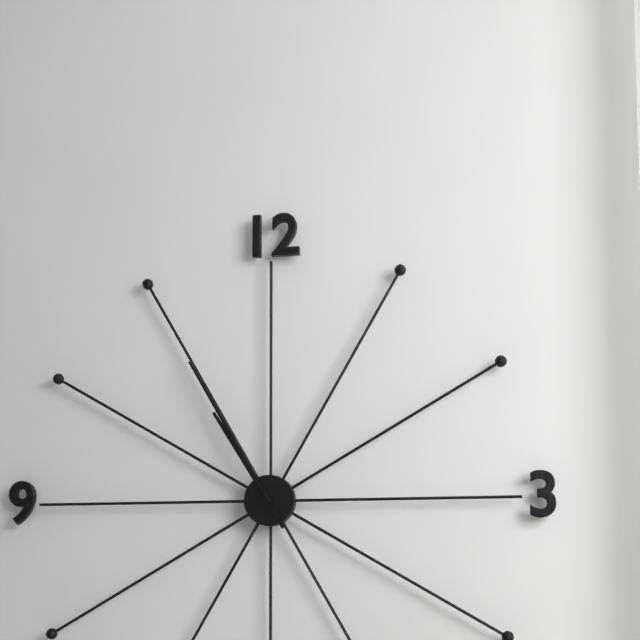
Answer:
10h55
